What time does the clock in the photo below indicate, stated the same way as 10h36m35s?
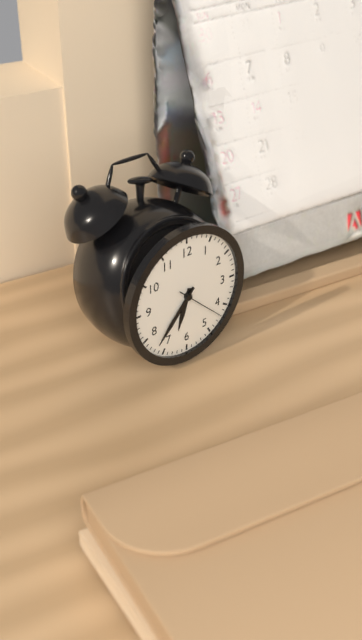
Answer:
6h37m22s
